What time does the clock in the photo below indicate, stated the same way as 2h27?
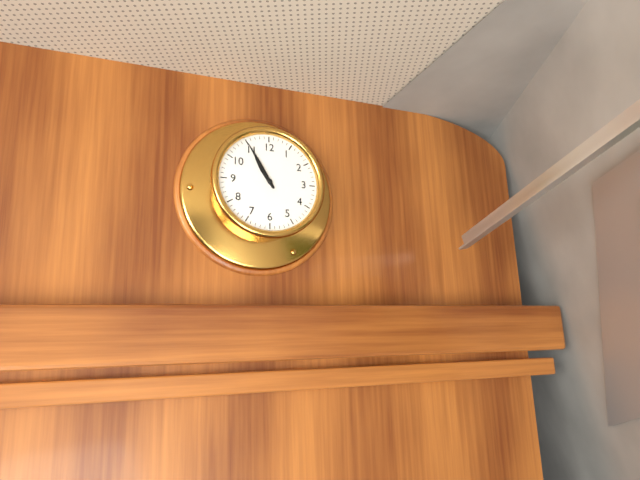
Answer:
10h55
